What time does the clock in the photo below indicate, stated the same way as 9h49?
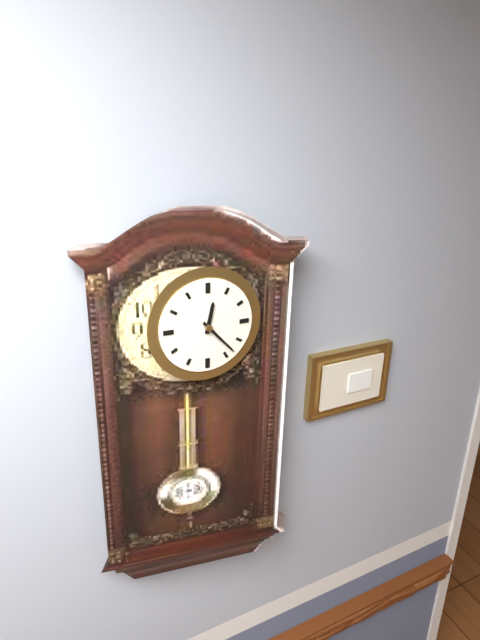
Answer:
12h23
